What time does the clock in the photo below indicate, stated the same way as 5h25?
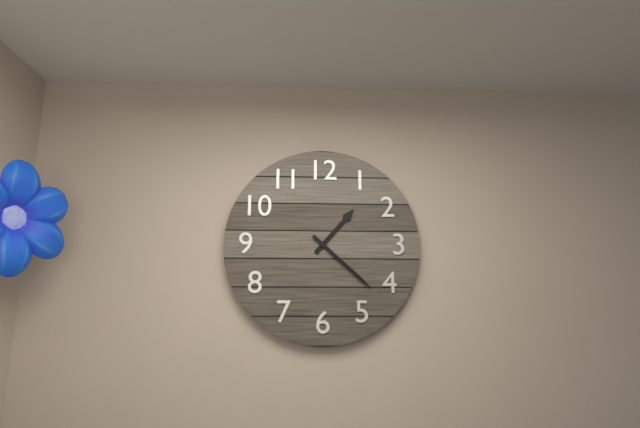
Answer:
1h22
